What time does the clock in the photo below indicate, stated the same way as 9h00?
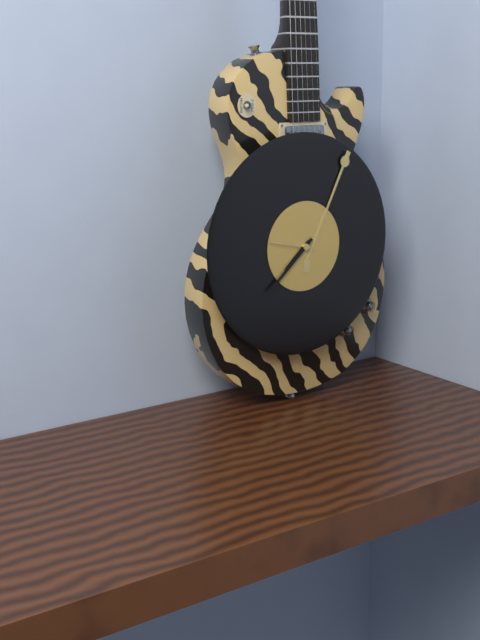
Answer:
7h38
